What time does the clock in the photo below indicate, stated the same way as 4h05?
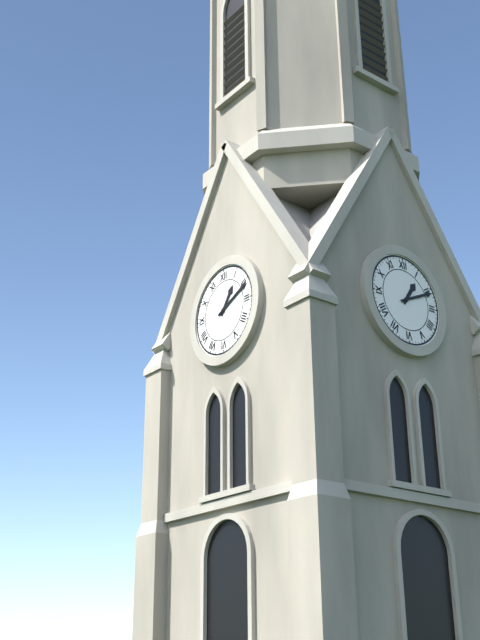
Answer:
1h11
